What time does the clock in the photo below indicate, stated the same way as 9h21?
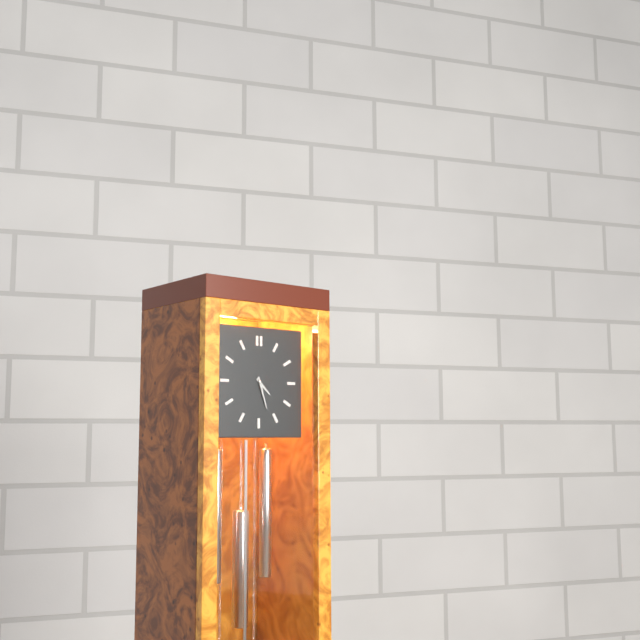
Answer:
4h27
